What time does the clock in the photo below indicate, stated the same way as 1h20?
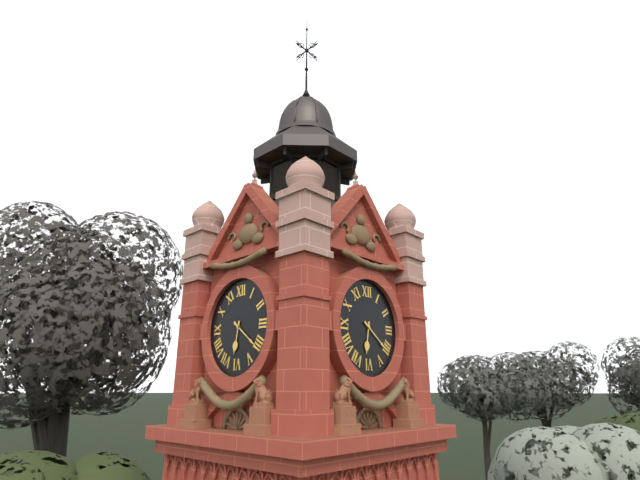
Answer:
6h21
